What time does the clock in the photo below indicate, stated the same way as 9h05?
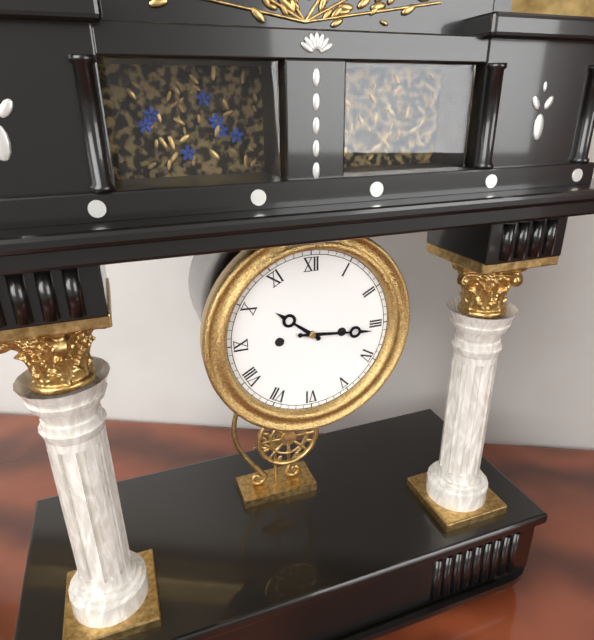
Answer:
10h16
